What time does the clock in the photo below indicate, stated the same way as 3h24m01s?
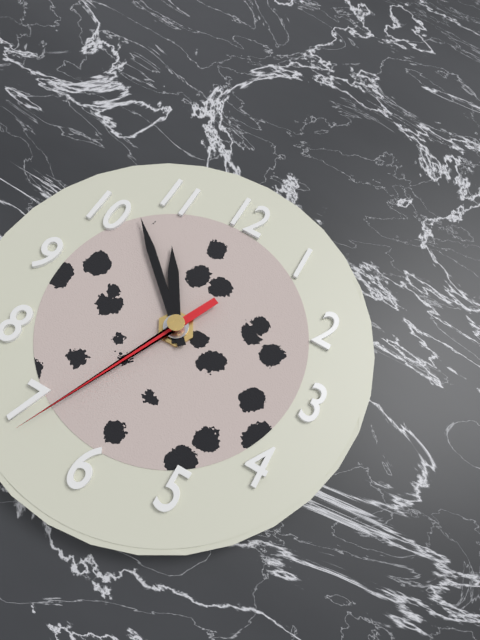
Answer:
10h52m34s
